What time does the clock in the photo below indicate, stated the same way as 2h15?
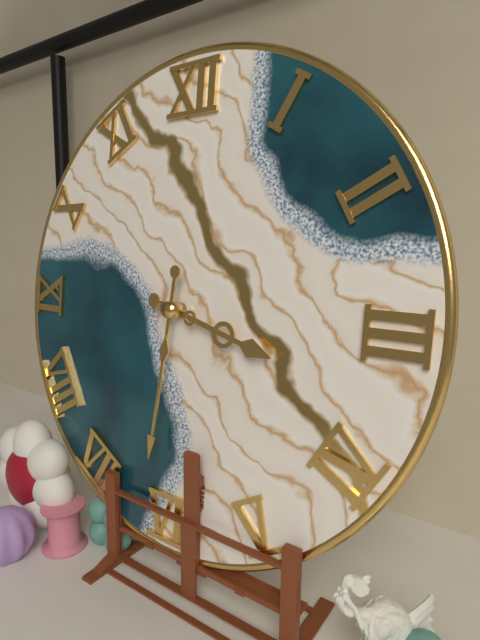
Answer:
3h31
